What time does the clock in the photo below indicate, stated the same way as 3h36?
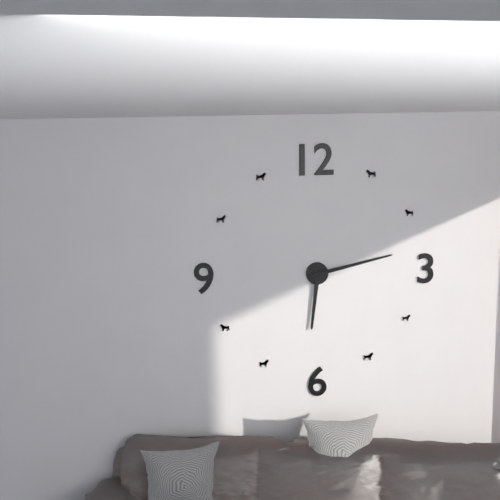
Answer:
6h13
